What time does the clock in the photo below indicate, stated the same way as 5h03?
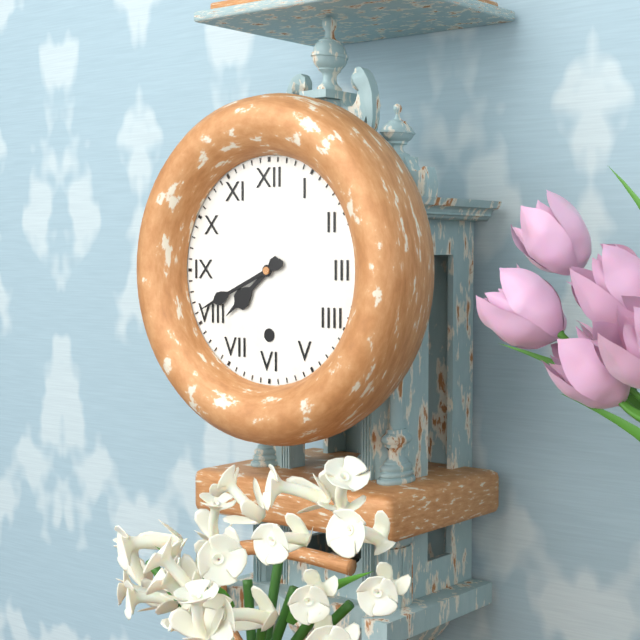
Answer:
7h41
